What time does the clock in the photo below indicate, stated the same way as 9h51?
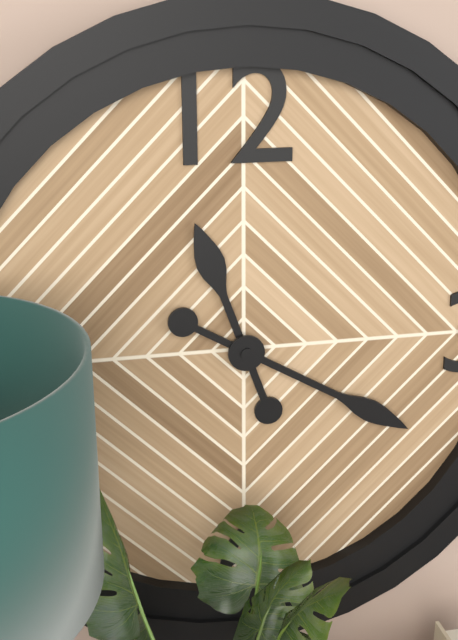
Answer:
11h20
